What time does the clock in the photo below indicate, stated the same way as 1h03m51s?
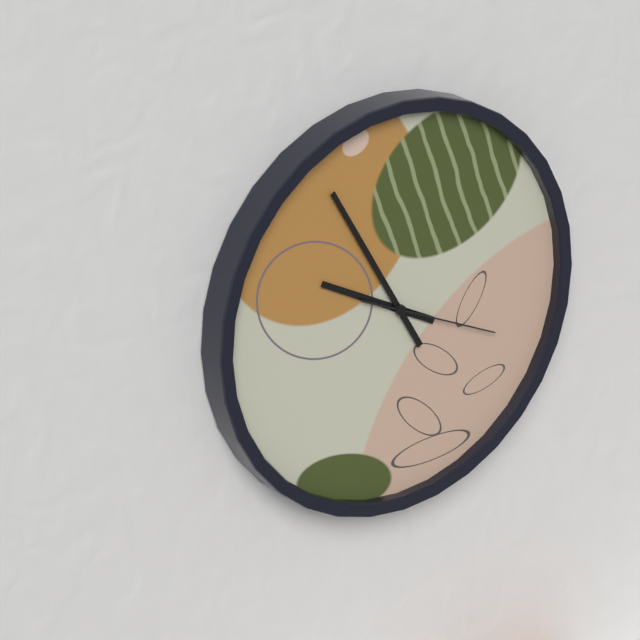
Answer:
9h55m19s
